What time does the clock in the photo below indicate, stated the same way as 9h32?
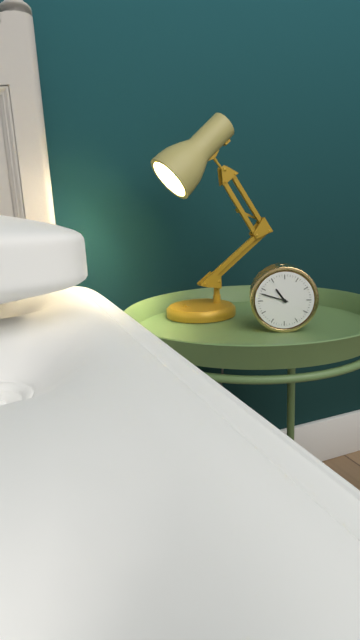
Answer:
10h48
